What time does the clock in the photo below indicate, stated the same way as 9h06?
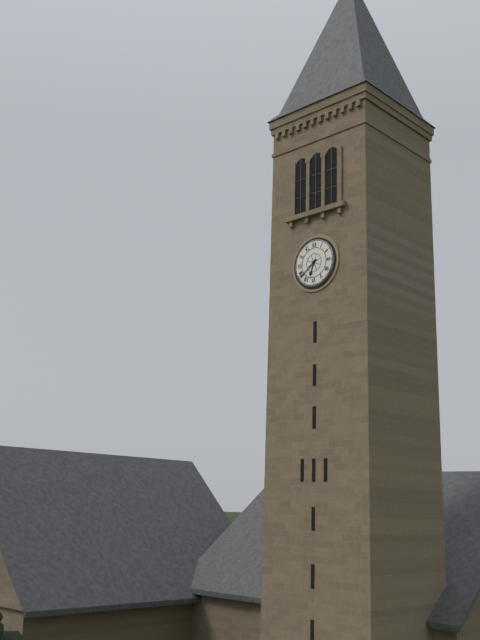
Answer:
6h39
